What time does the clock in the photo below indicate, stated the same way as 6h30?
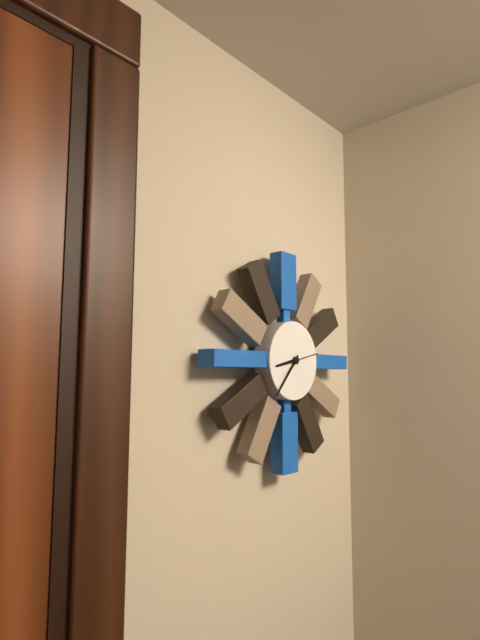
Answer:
8h37
